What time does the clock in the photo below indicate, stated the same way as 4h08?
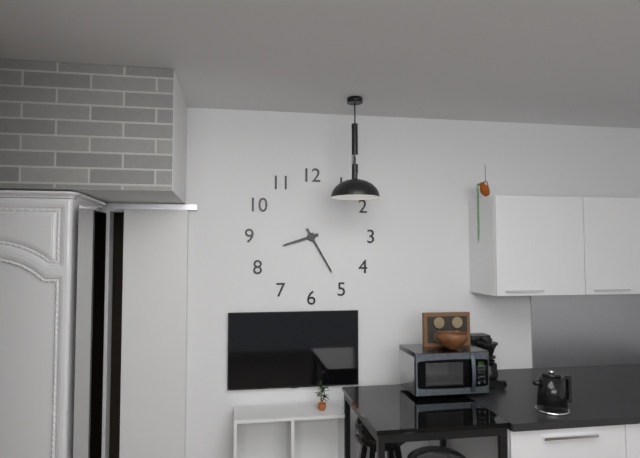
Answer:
8h25
